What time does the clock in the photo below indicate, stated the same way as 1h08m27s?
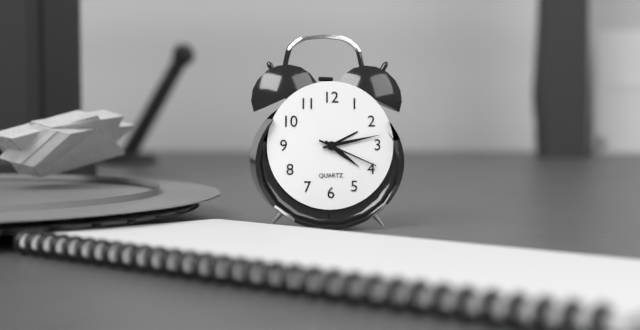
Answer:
4h13m19s
